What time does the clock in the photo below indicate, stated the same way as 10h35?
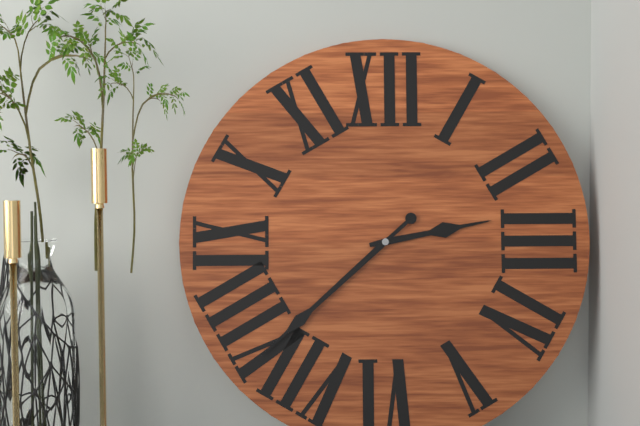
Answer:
2h38
